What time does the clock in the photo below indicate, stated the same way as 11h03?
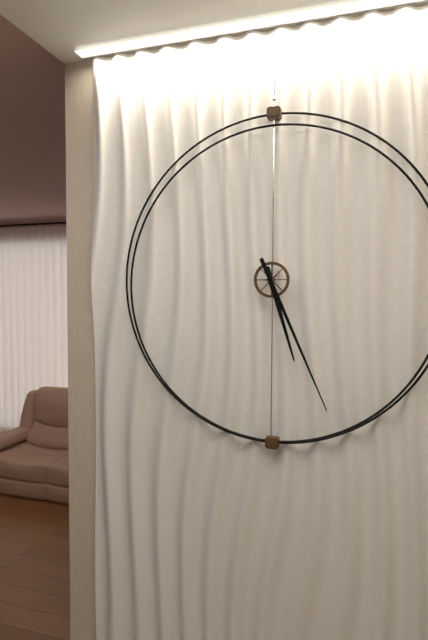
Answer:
5h26
